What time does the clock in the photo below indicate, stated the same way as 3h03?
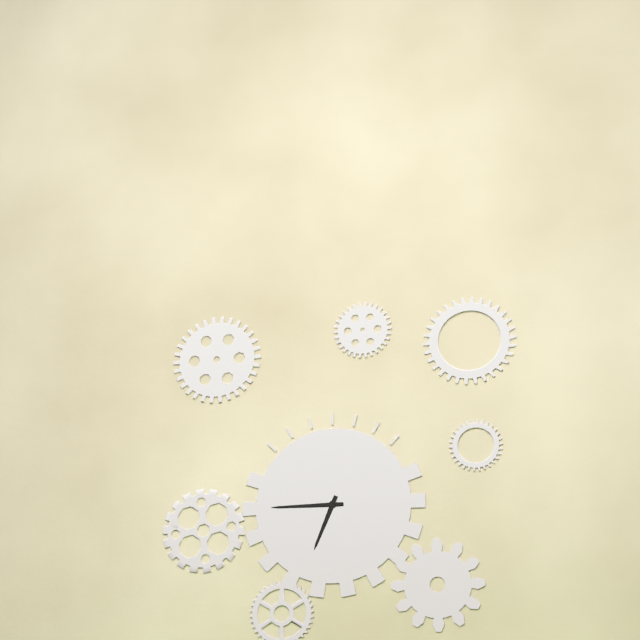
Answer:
6h45
